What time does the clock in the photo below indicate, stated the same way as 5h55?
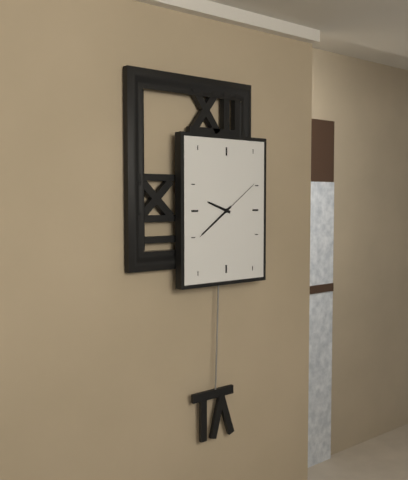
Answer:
9h39
